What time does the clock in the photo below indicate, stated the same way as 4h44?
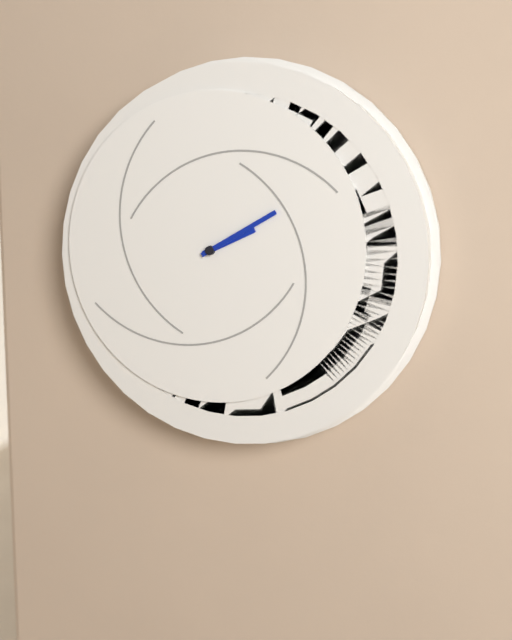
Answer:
2h10
